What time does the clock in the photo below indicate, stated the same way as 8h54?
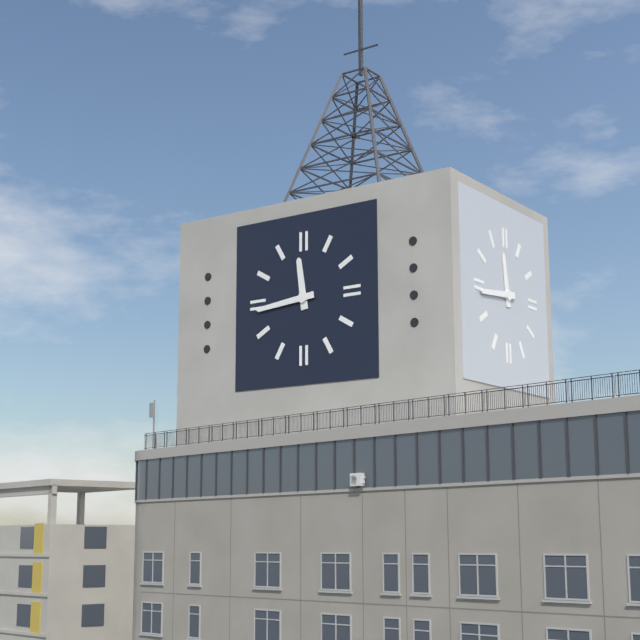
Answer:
11h44
